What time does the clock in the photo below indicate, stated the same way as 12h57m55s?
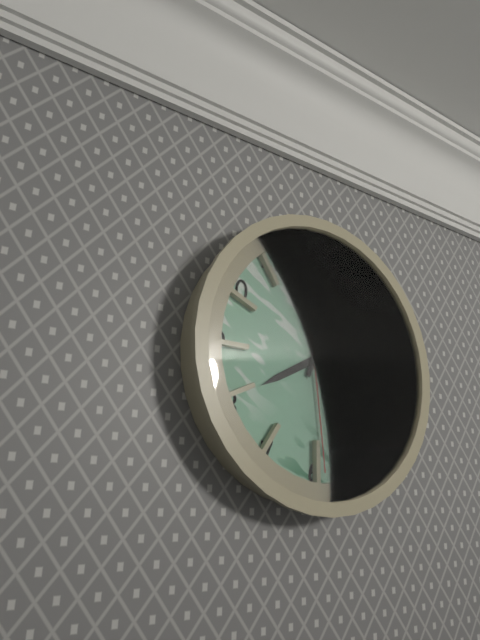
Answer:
8h04m29s
